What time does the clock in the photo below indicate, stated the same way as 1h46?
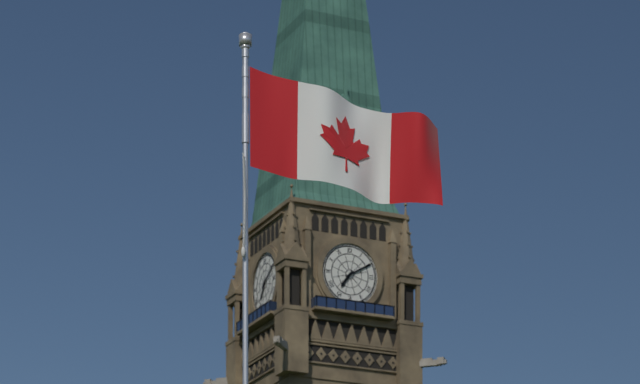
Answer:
7h10
